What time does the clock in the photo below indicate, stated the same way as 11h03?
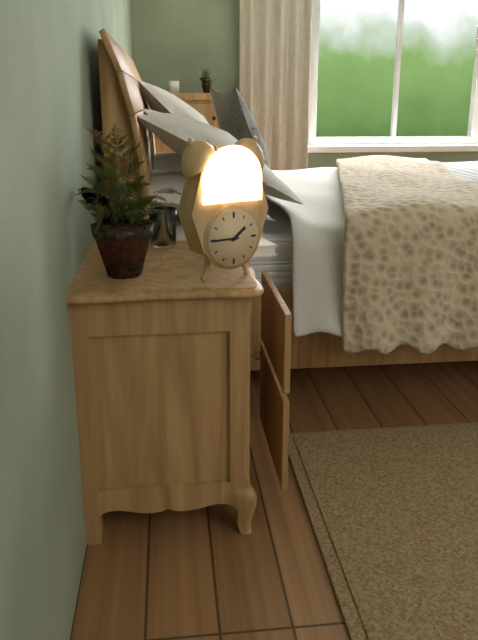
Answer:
1h45
